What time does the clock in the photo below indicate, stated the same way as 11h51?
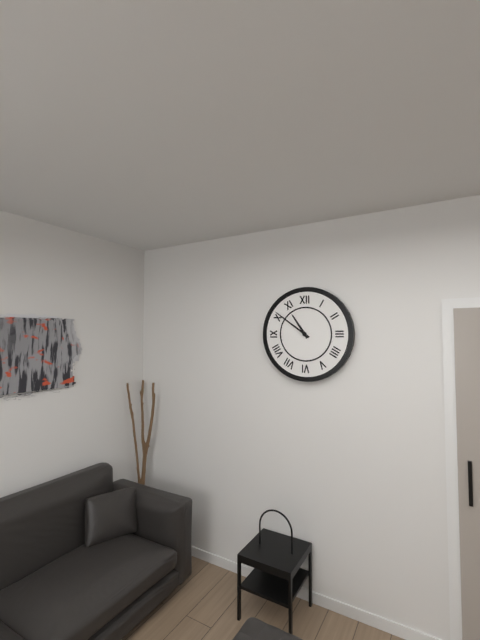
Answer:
10h51
